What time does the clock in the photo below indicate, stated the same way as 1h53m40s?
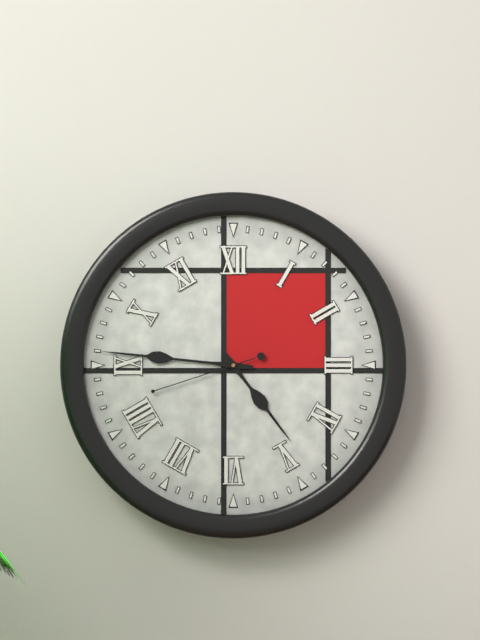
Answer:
4h46m42s
